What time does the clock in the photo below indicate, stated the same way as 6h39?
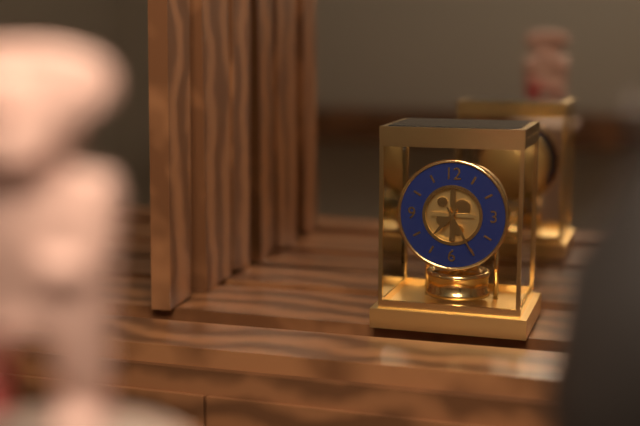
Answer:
7h25
